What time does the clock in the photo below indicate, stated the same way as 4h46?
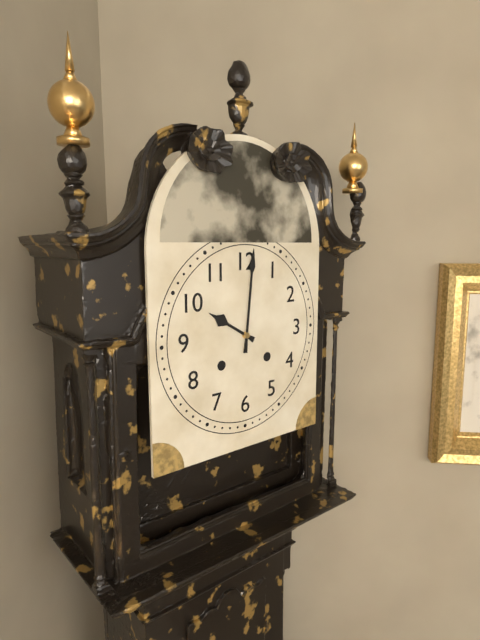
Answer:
10h01
